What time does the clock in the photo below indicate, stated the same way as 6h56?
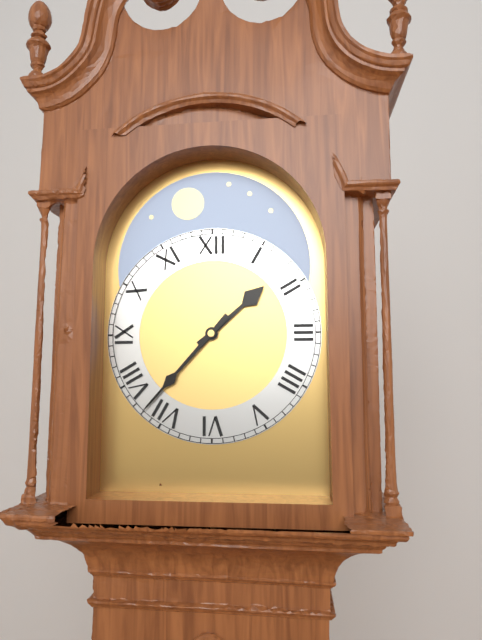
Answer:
1h37
